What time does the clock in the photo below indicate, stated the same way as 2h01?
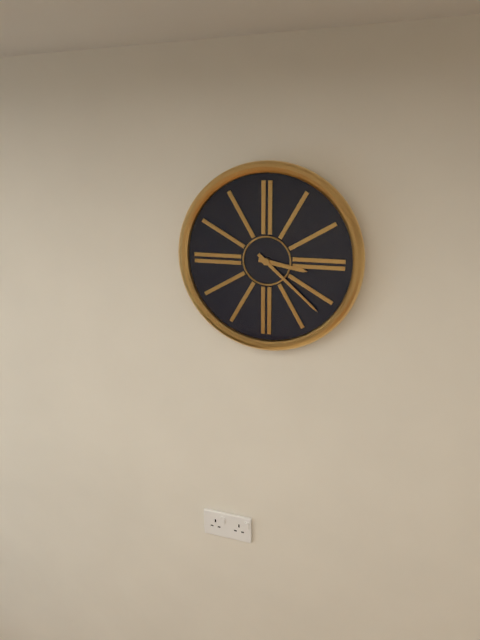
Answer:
3h22
